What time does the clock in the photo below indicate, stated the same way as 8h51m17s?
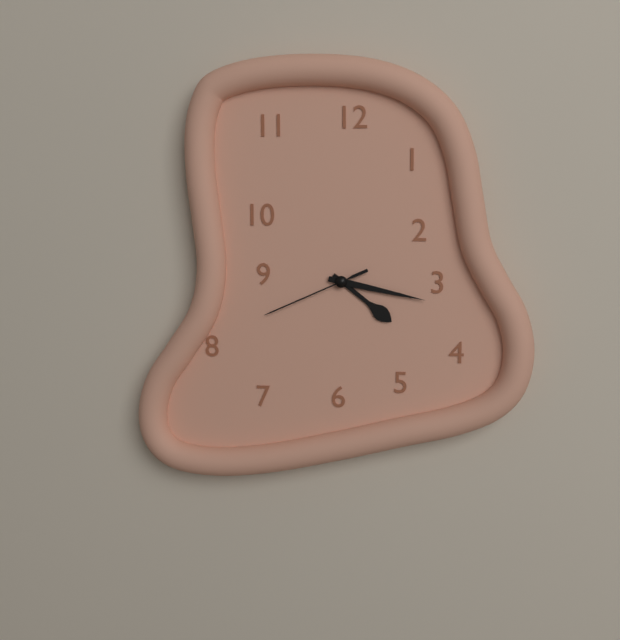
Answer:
4h17m41s
